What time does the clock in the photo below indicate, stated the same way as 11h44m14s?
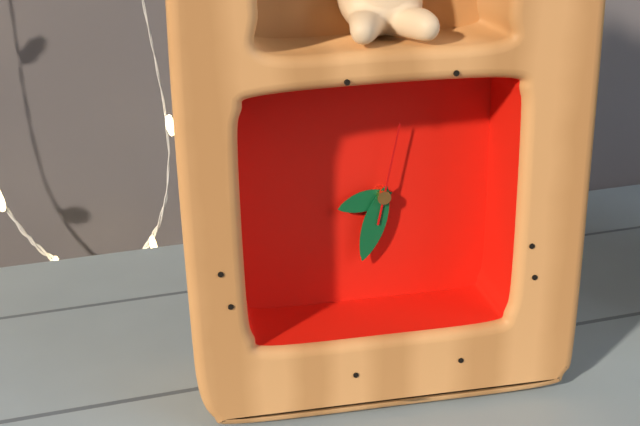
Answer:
8h33m02s
